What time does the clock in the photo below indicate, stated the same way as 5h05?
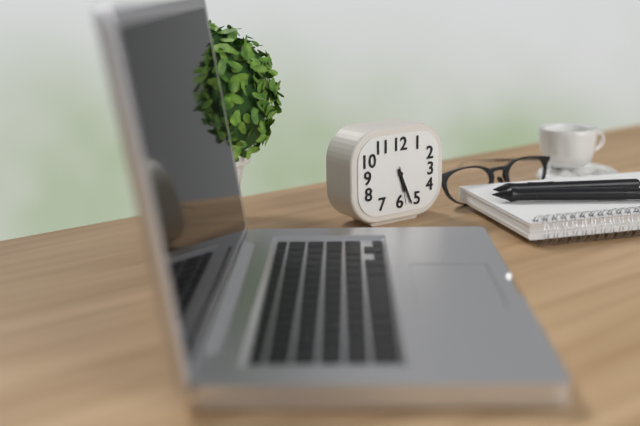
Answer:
5h26
